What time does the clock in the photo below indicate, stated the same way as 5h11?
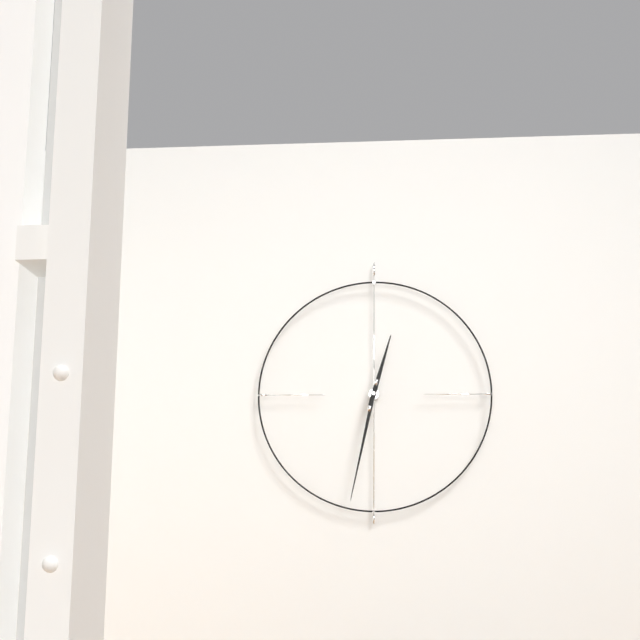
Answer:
12h32
